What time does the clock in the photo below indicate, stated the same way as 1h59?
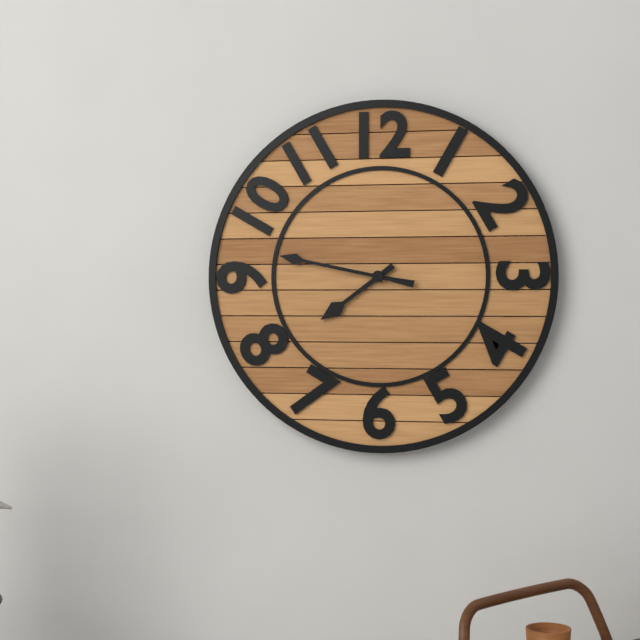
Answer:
7h47
